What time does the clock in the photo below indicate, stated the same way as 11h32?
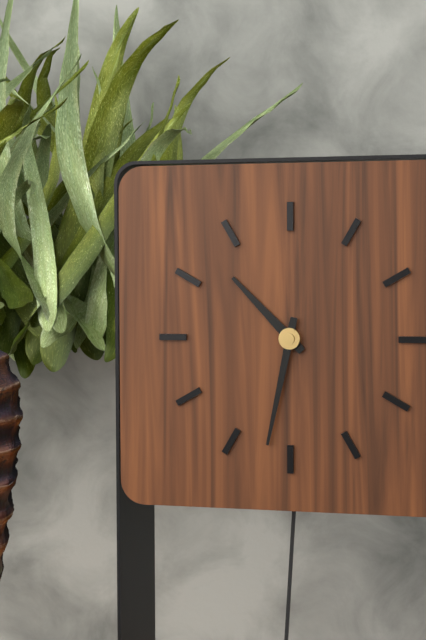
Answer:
10h32
